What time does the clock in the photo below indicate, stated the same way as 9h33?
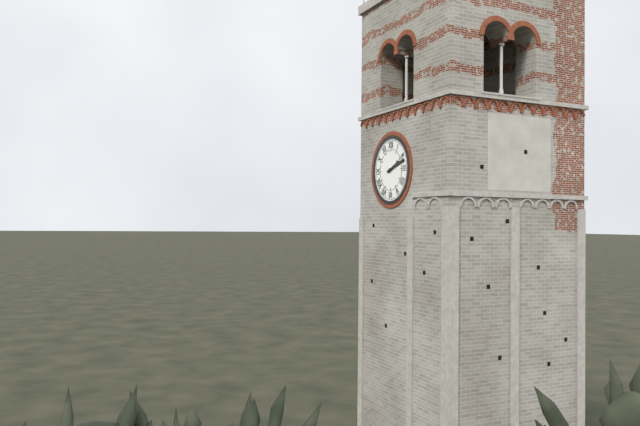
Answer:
2h12
